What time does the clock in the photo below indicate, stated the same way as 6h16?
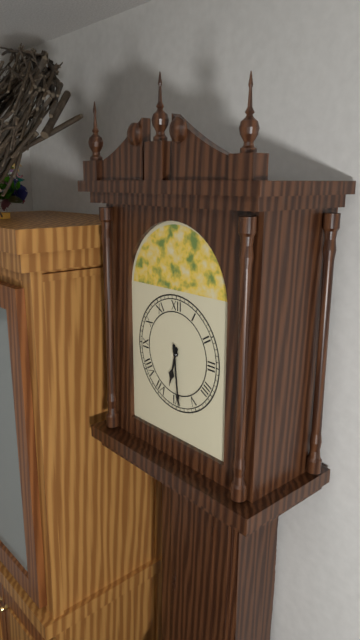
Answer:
6h29
